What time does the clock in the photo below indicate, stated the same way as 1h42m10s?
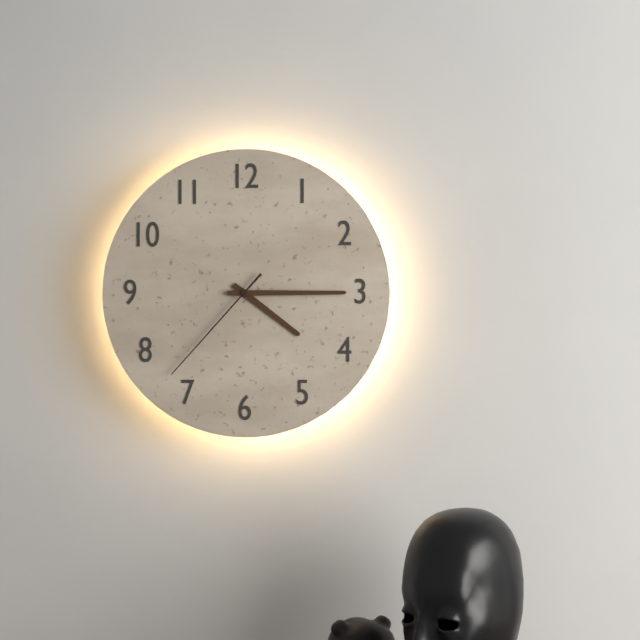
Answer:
4h15m37s
